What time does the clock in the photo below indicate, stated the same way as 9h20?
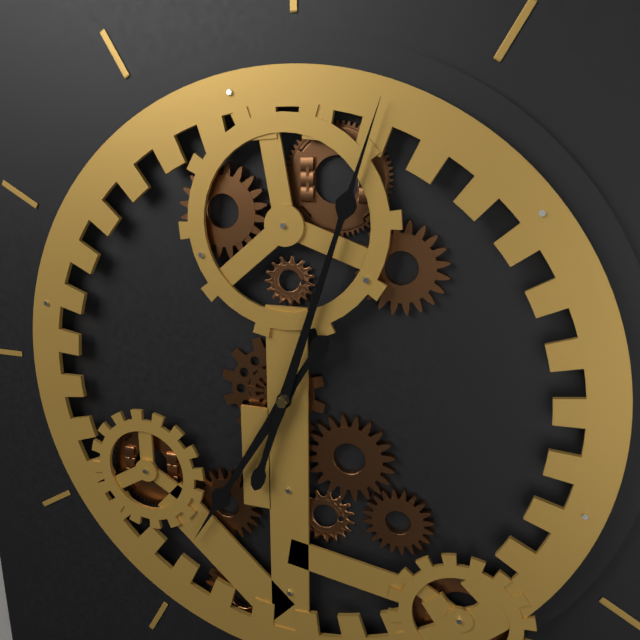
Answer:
7h03
